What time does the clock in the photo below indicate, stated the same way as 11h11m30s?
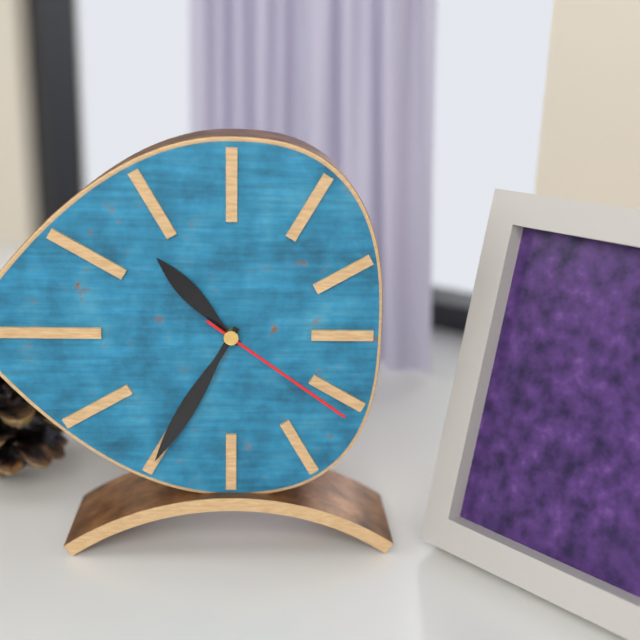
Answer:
10h35m21s
